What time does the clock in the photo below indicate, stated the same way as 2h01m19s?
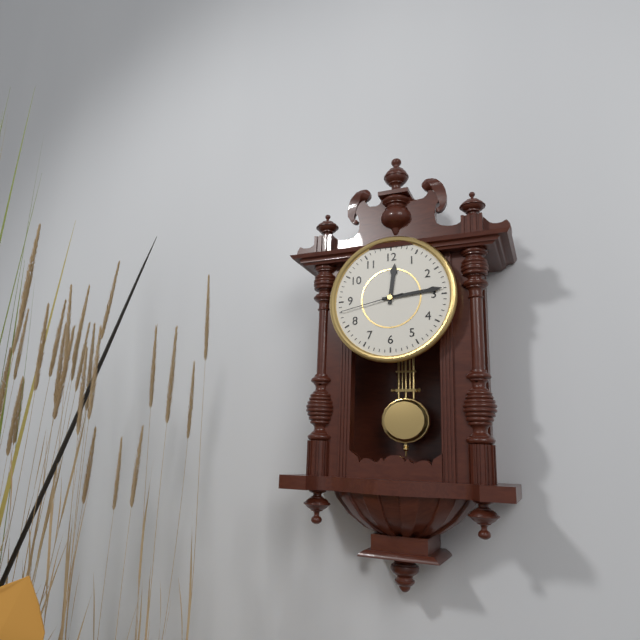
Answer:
12h14m43s
